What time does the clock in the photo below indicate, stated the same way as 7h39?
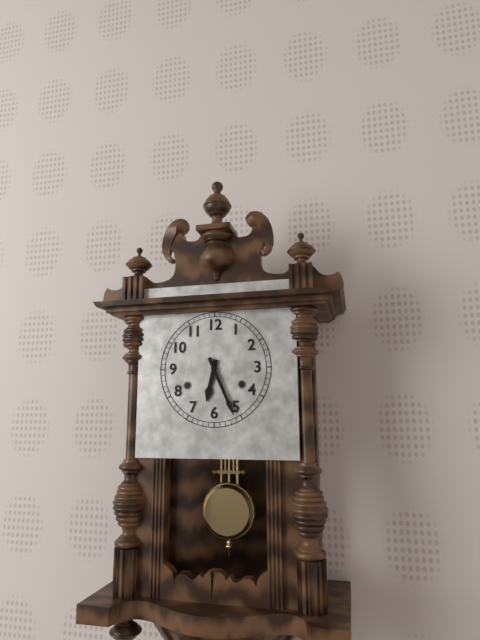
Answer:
6h26
